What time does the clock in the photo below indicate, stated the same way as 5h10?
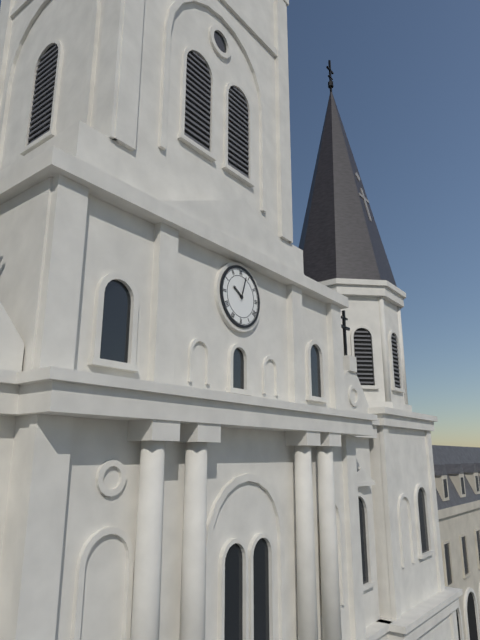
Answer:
10h03
